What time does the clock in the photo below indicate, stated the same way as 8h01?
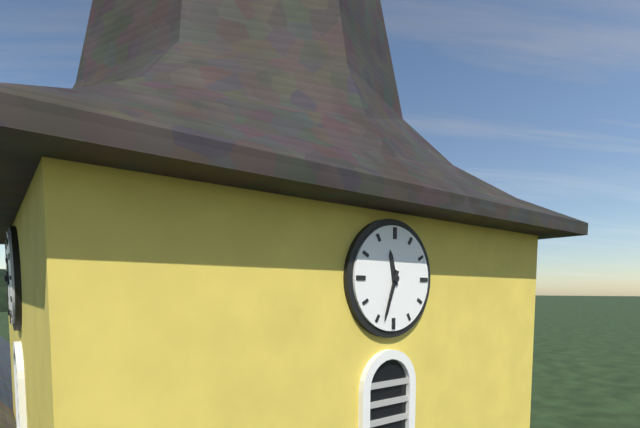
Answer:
11h33
